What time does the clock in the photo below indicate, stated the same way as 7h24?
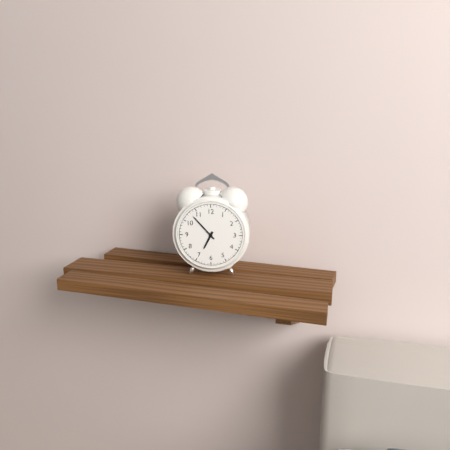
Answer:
6h53
